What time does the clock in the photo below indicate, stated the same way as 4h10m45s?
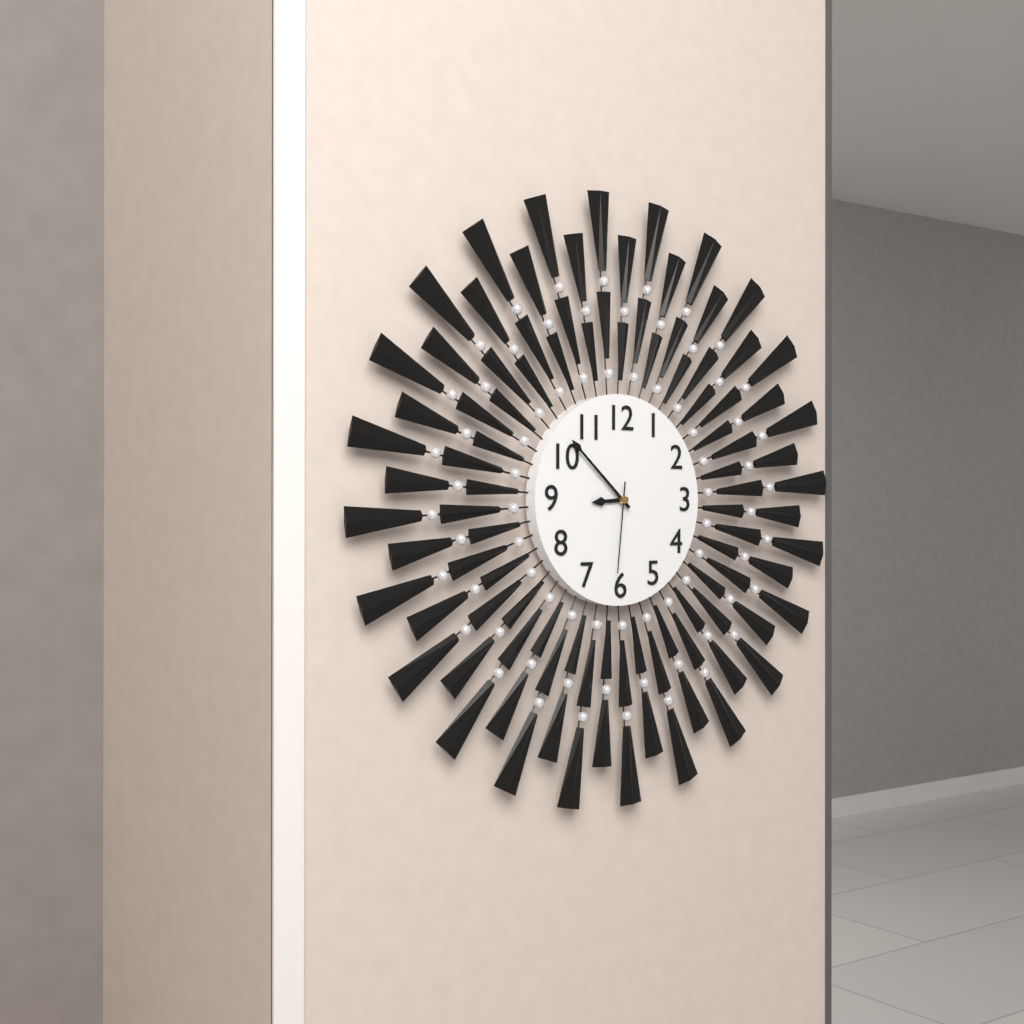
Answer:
8h52m31s
